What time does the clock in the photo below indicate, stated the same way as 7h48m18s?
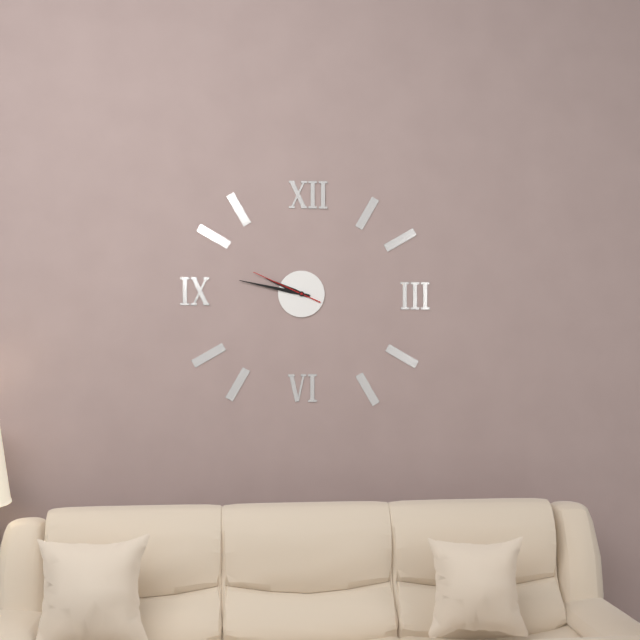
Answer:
9h47m49s
